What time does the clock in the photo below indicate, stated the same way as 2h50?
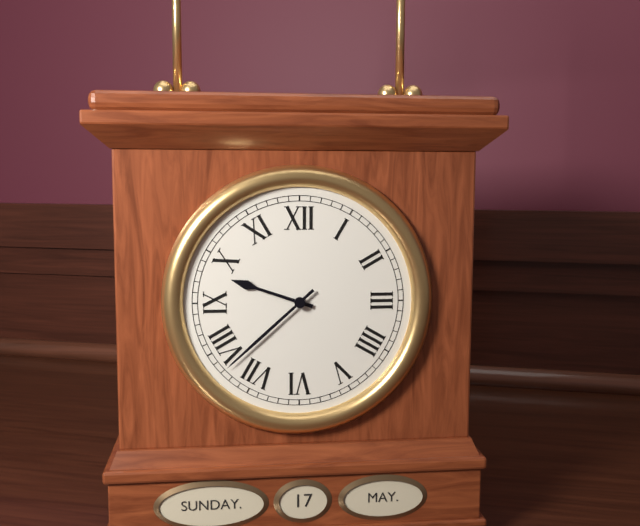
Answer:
9h38
